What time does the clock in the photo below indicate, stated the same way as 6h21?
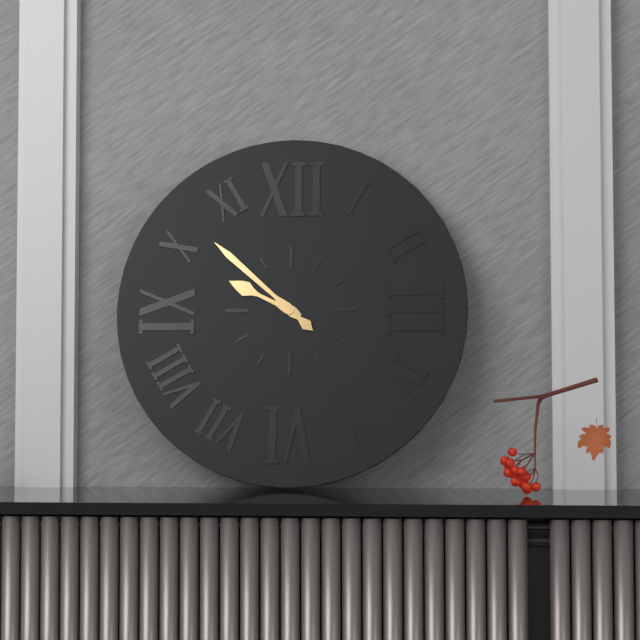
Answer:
9h52
